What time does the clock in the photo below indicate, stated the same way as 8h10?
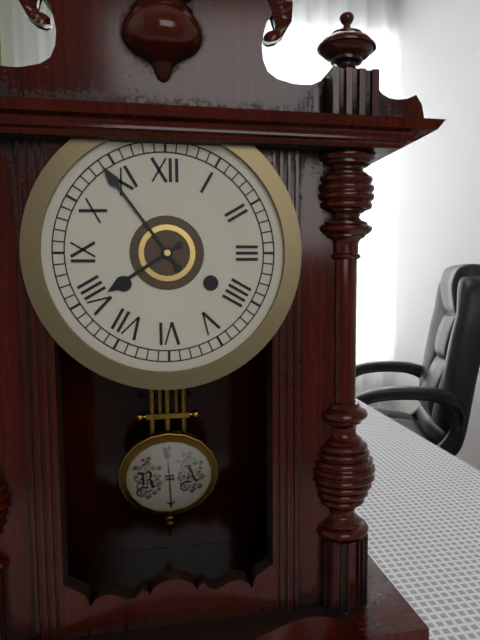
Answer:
7h54
